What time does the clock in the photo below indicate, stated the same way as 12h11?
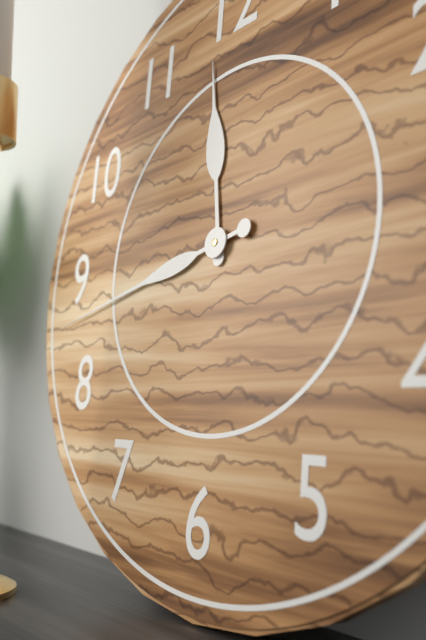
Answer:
11h43
